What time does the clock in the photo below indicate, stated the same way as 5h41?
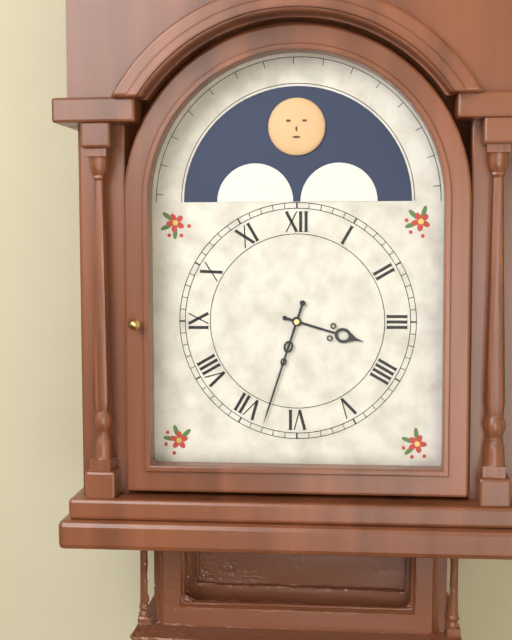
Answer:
3h33
